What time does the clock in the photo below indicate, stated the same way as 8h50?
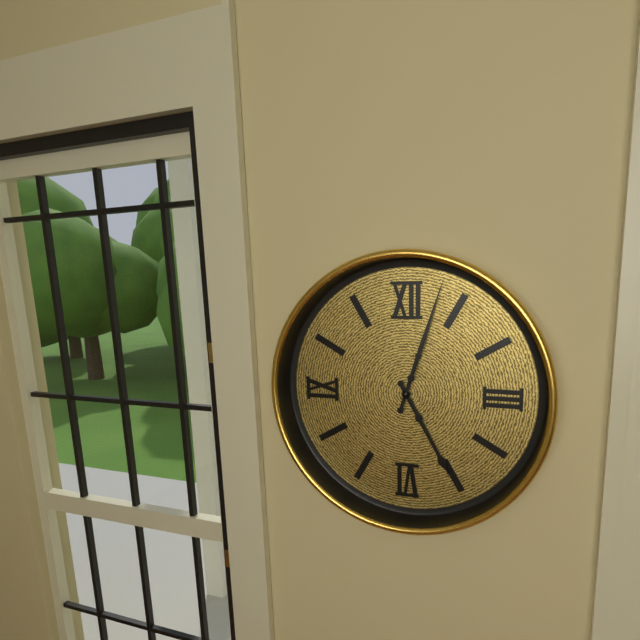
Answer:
5h03
